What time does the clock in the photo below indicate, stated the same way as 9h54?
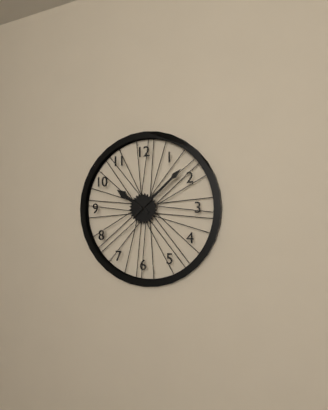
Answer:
10h08
